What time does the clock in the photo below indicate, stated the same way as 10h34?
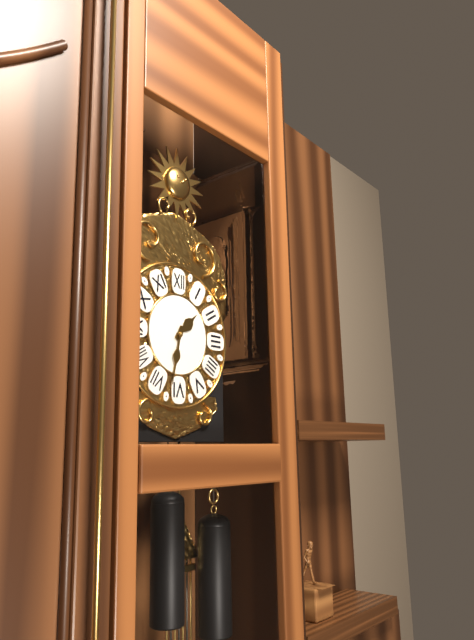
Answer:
1h32
